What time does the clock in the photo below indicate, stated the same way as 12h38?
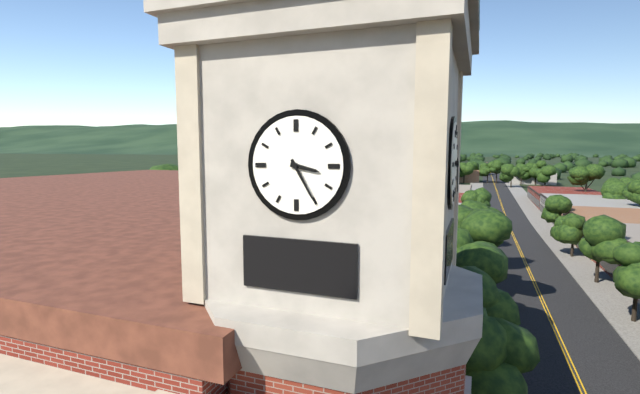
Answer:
3h25
